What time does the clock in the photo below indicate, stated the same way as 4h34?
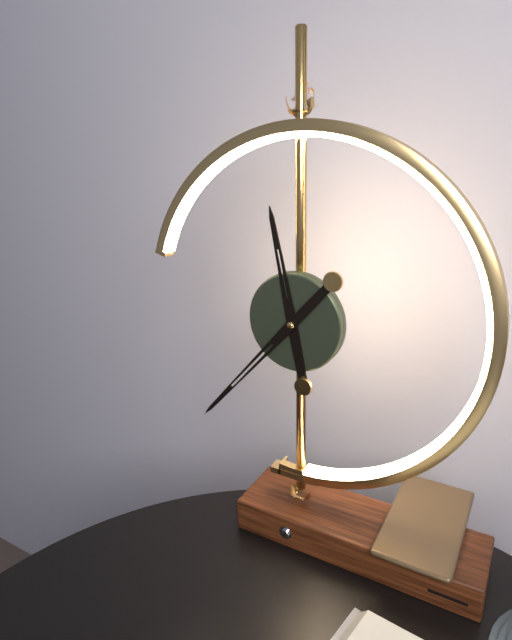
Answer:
11h37
